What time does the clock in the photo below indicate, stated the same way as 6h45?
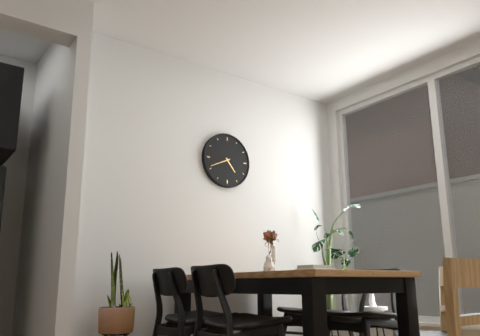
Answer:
4h41
